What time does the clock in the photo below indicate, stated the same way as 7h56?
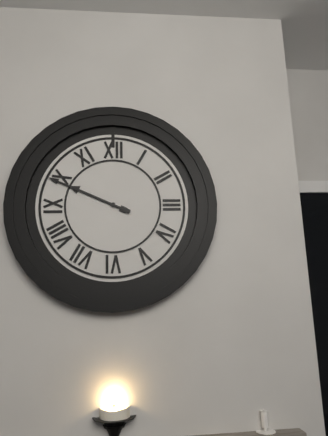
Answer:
9h49
